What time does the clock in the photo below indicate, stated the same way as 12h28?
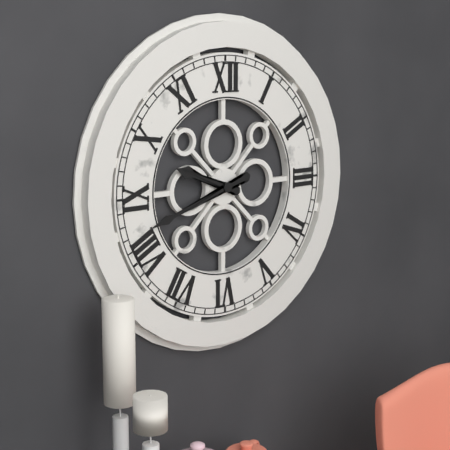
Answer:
9h42
